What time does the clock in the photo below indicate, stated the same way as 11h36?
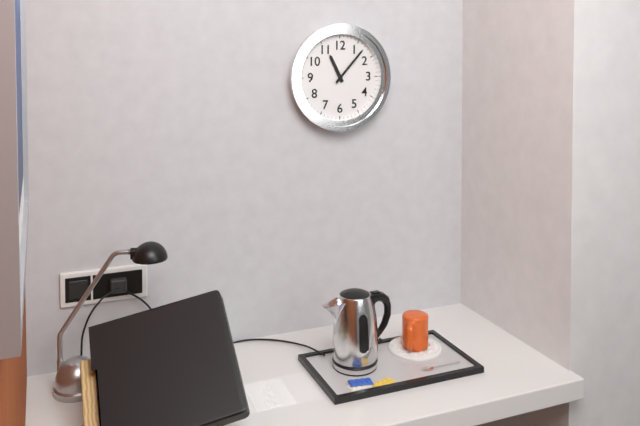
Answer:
11h07
